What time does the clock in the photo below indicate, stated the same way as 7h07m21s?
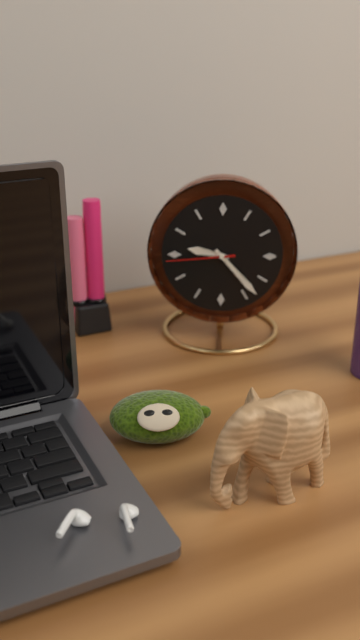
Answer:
9h23m44s
